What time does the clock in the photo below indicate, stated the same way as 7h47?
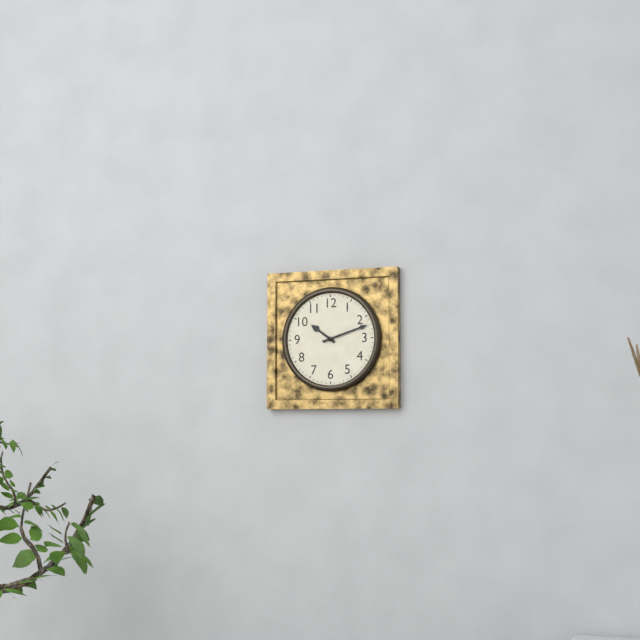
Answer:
10h12
